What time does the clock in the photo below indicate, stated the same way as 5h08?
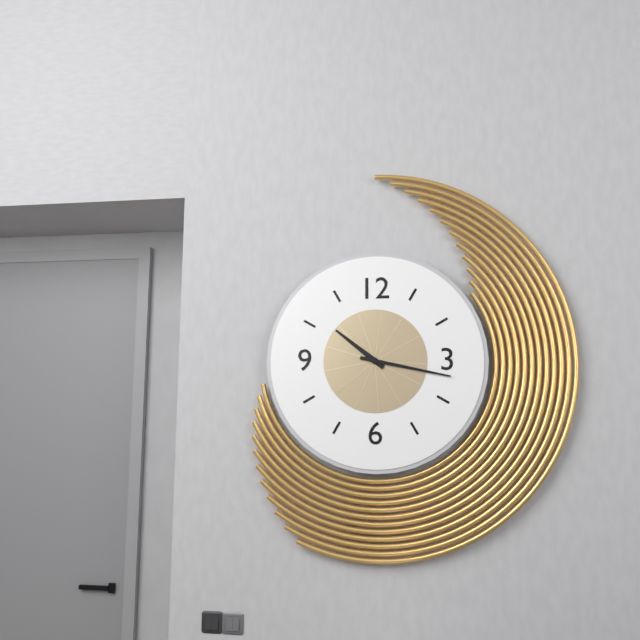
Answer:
10h17
